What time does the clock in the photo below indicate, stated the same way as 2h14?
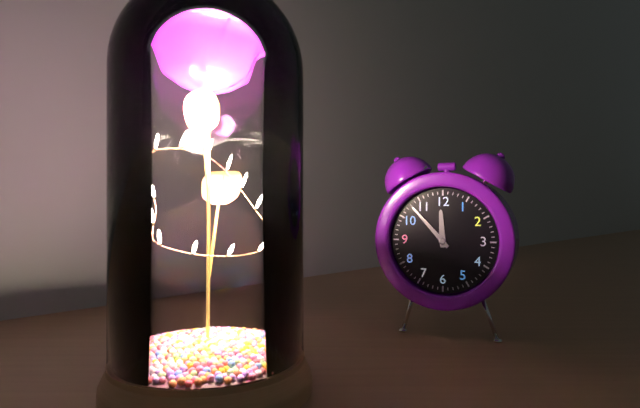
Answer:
11h53
